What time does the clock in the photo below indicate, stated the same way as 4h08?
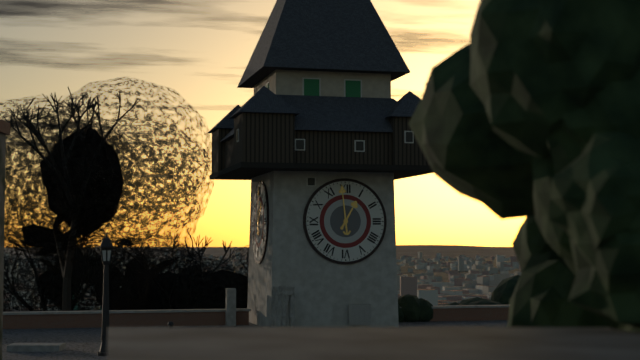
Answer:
12h59
